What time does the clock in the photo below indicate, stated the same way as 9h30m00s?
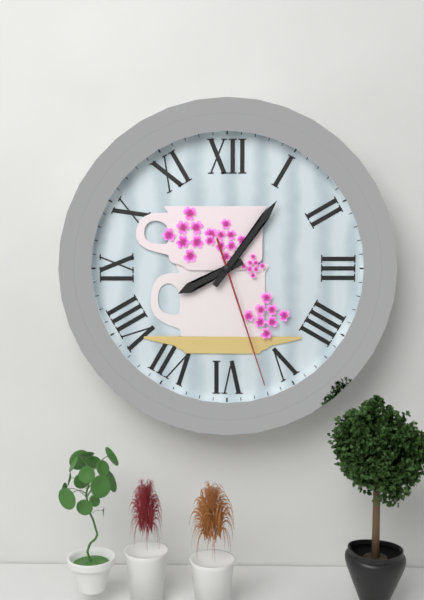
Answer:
8h06m27s
